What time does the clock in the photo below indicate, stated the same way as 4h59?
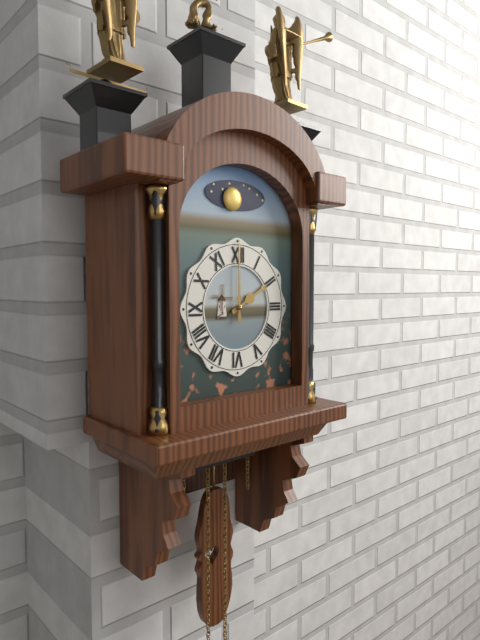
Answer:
2h00
